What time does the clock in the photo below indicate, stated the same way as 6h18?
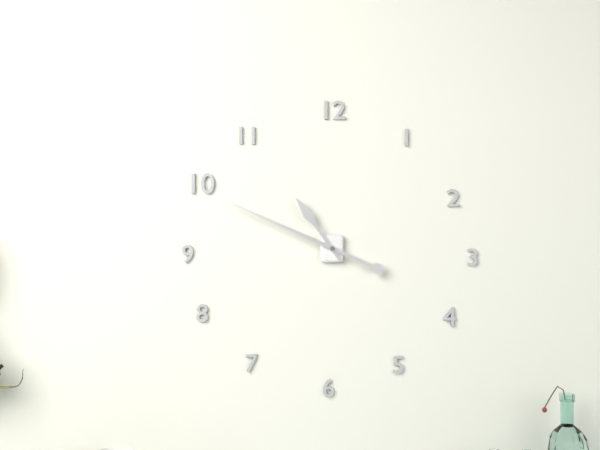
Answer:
10h49
